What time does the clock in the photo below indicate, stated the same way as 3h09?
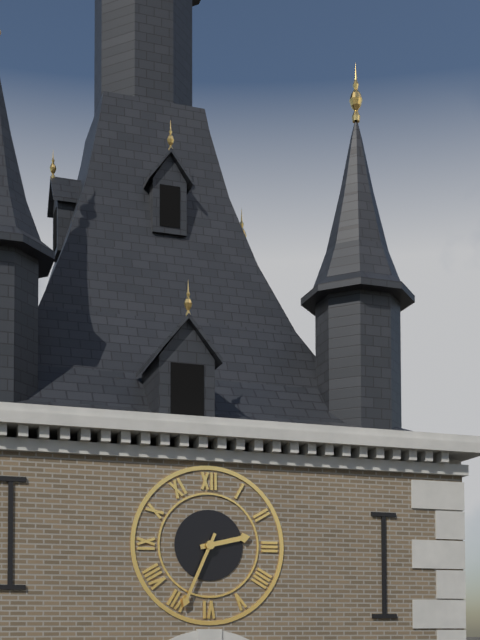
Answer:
2h34
